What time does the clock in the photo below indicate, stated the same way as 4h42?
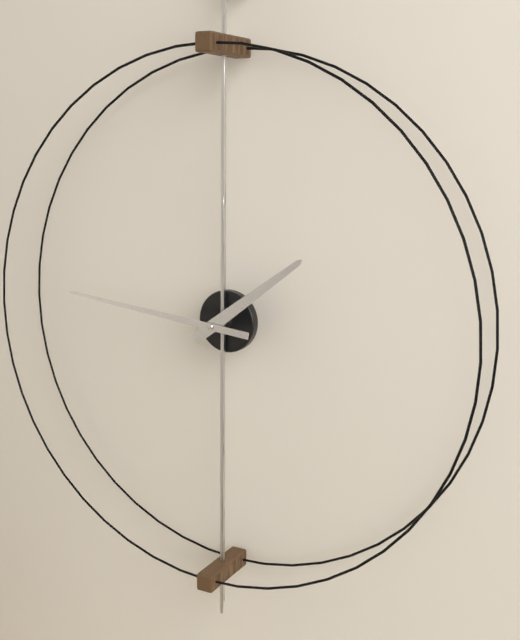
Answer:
1h46
